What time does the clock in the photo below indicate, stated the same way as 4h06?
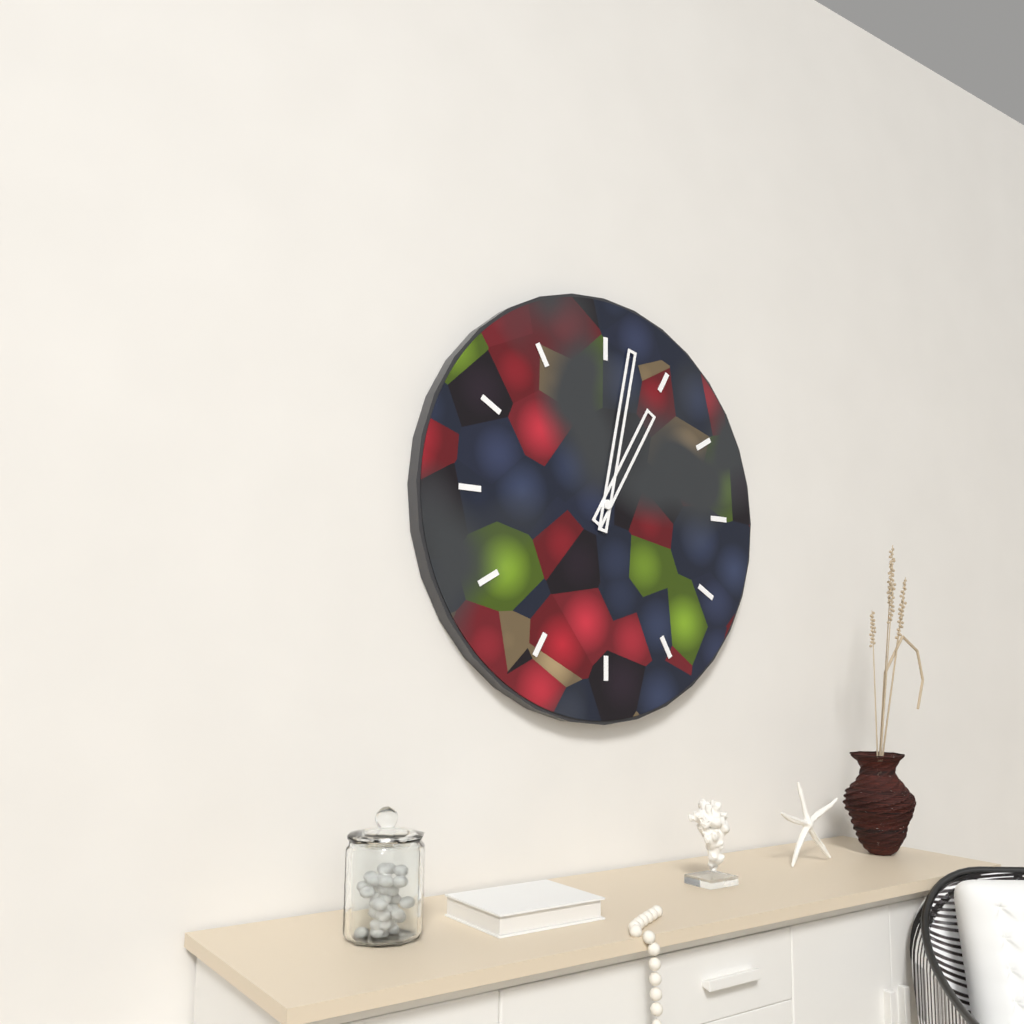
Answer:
1h02
